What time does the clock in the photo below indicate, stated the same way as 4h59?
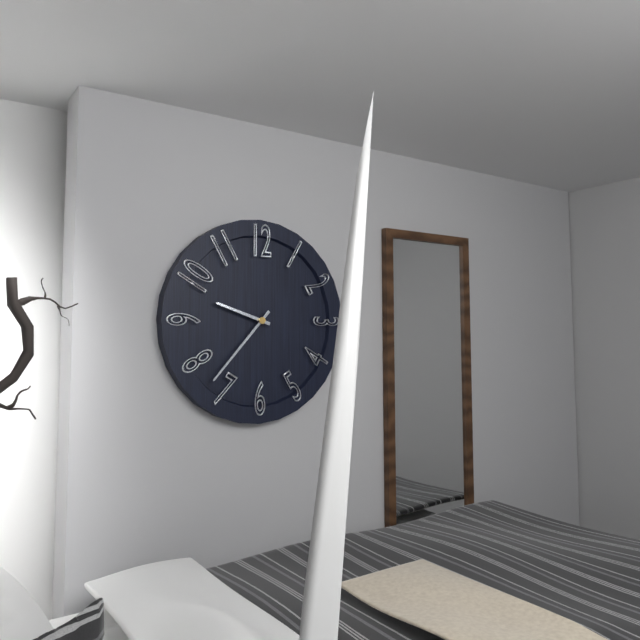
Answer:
9h37
